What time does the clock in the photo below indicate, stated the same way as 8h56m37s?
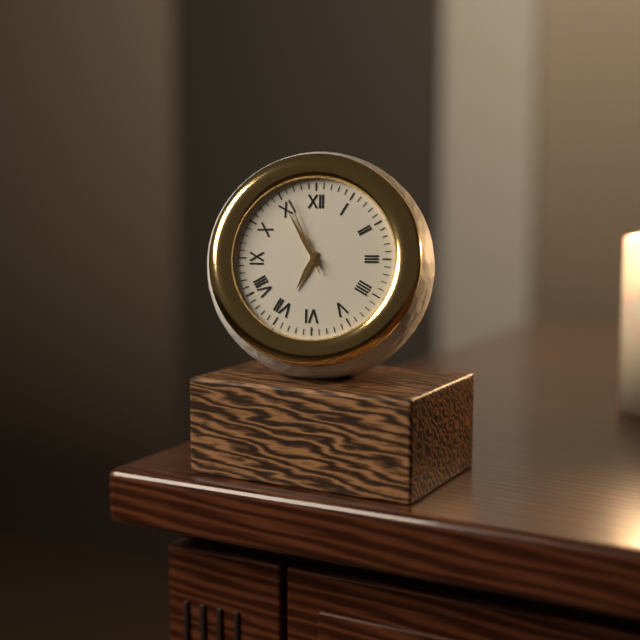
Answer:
6h55m56s
